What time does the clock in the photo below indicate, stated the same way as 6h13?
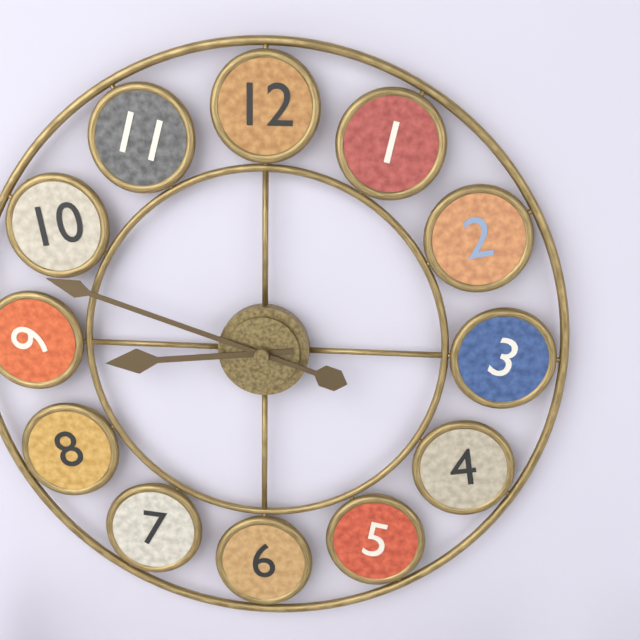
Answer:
8h48
